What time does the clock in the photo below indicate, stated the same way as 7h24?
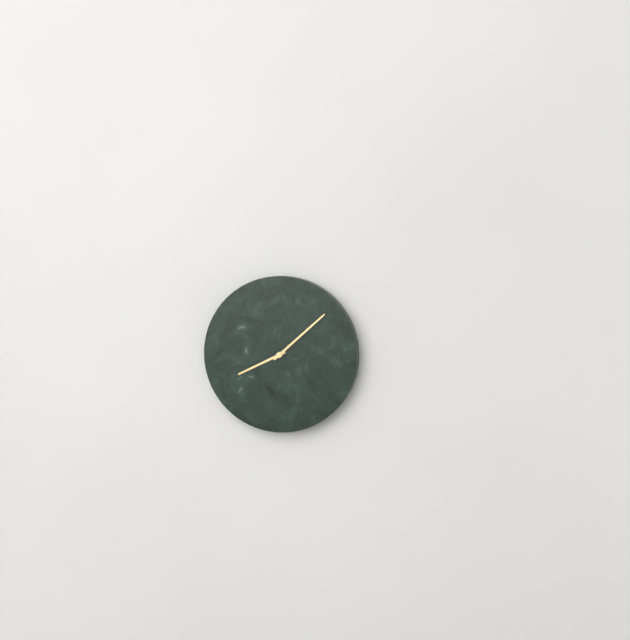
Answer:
8h08
